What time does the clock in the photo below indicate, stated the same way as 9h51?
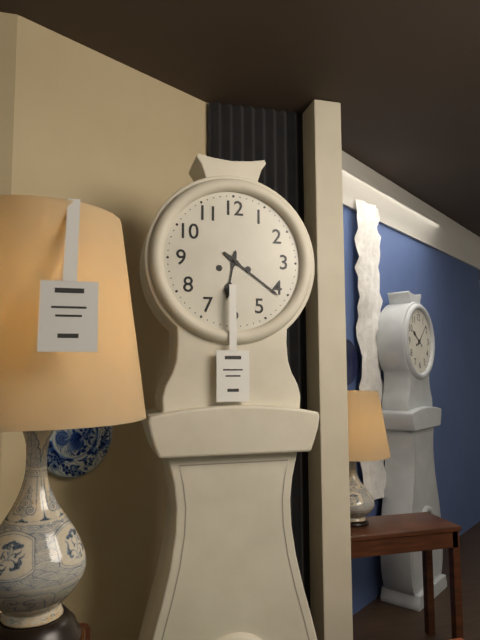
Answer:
6h21
